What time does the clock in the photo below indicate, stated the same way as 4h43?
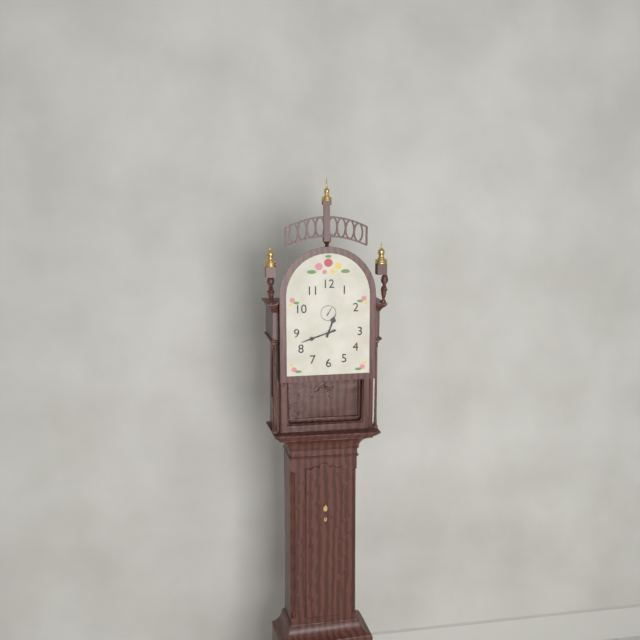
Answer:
12h42
